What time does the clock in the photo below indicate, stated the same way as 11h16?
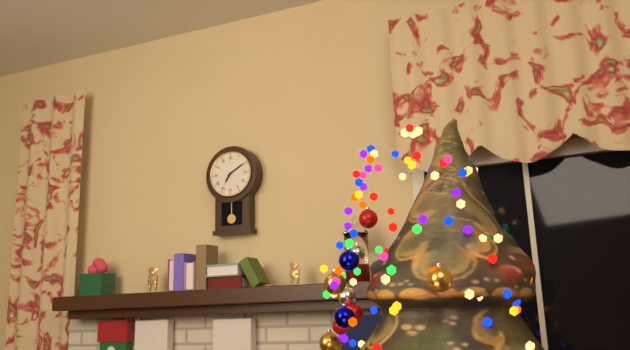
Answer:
7h10
